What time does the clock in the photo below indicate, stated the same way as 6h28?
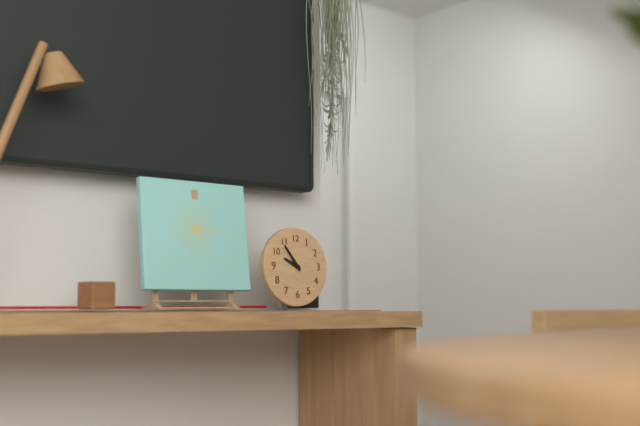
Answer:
9h54
